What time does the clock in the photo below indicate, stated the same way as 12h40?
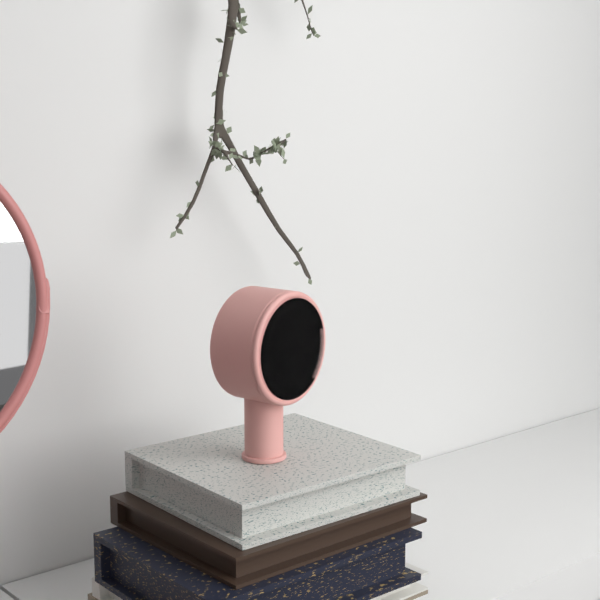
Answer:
7h33
